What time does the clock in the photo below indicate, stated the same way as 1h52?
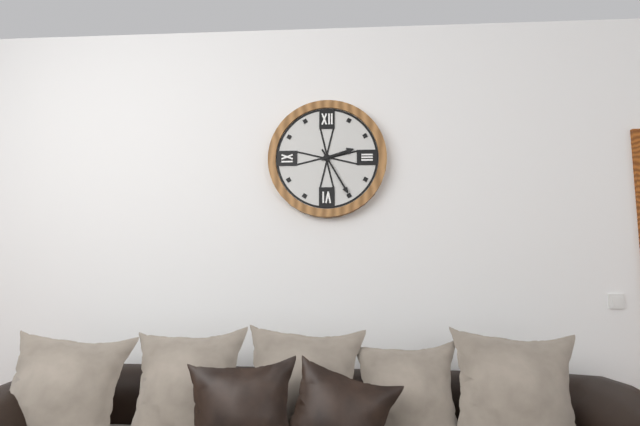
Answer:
2h25
